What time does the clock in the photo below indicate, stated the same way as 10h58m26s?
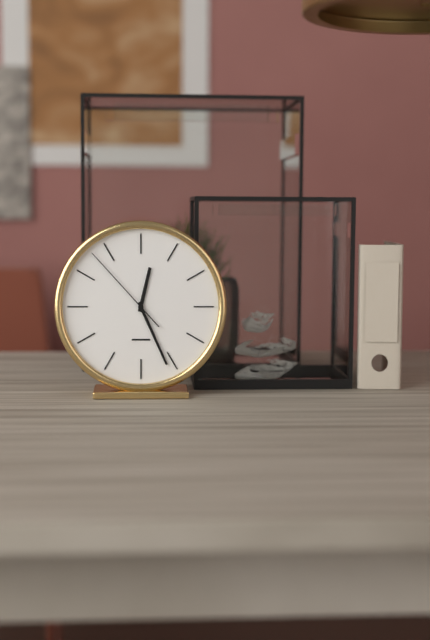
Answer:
12h26m53s
